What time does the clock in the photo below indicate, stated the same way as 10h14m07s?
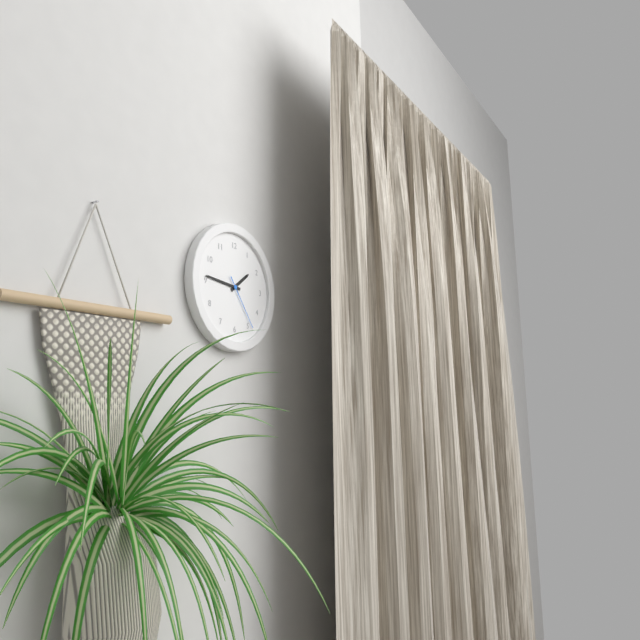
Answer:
1h46m24s
